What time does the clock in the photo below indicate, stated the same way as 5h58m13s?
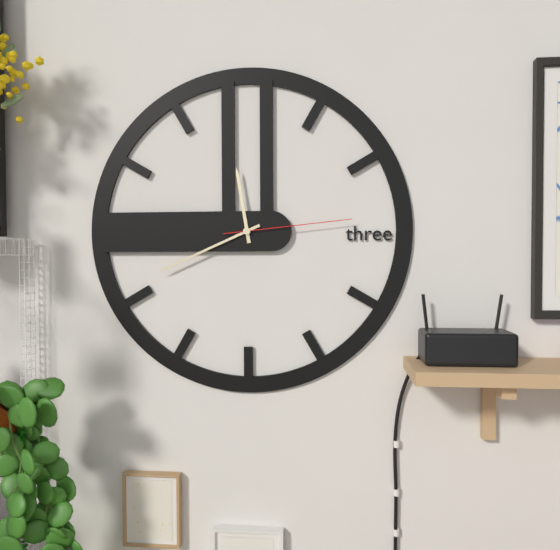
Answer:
11h41m14s
